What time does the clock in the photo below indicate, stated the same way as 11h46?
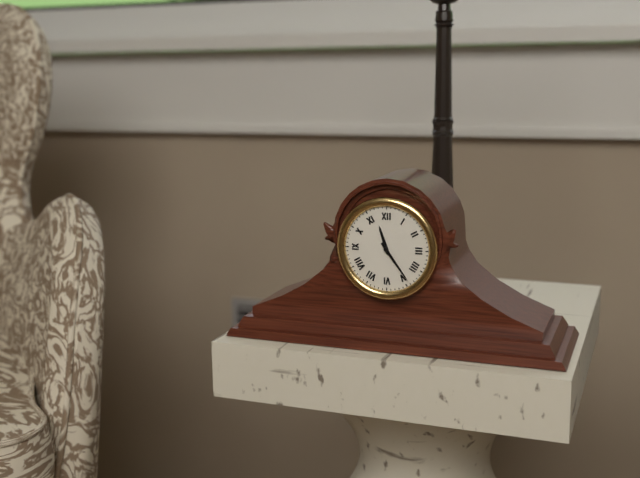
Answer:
11h24
